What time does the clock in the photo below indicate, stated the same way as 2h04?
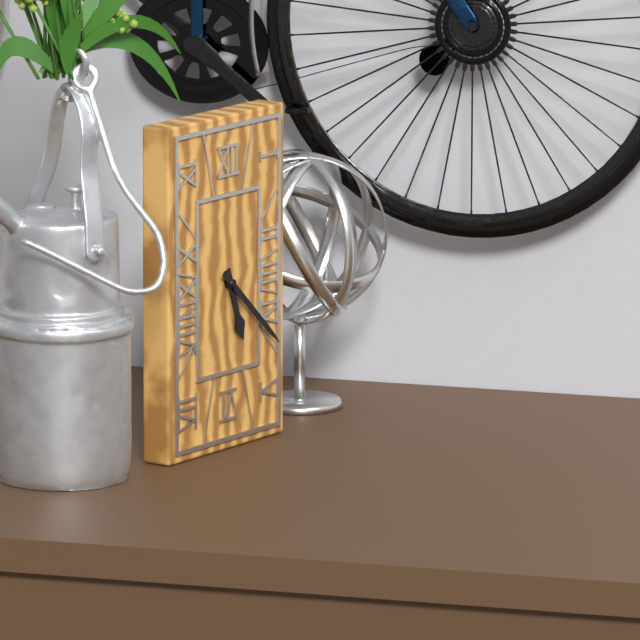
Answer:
5h22
